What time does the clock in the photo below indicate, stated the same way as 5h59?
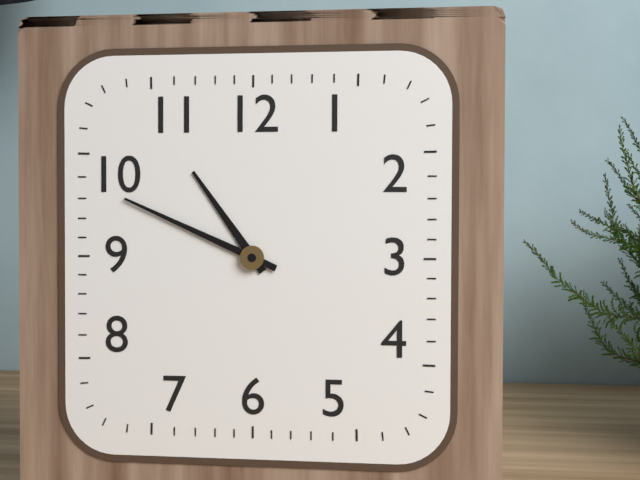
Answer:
10h49
